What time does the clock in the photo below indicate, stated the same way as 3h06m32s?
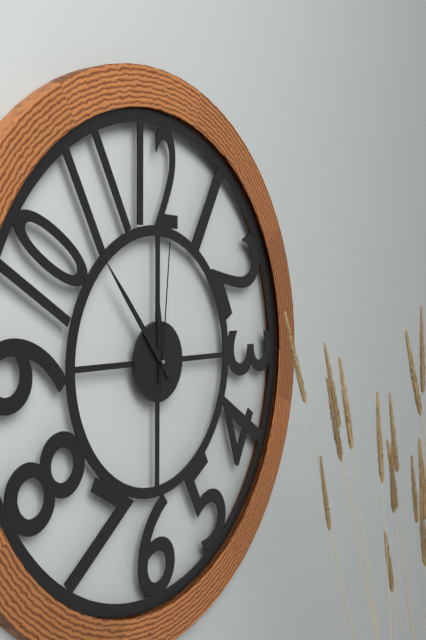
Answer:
11h53m01s
